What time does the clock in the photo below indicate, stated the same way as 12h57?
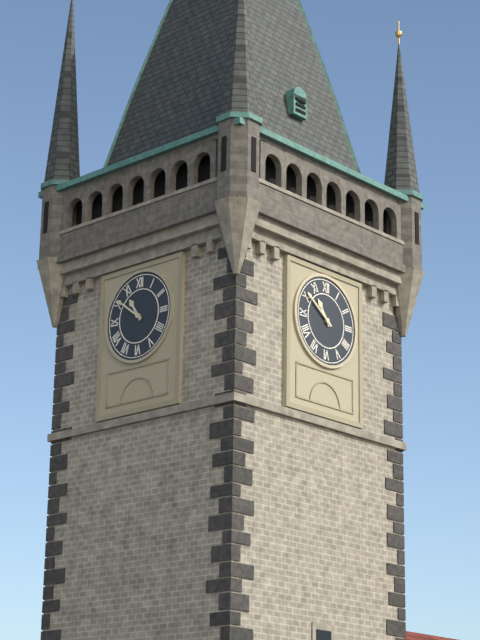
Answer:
10h51
